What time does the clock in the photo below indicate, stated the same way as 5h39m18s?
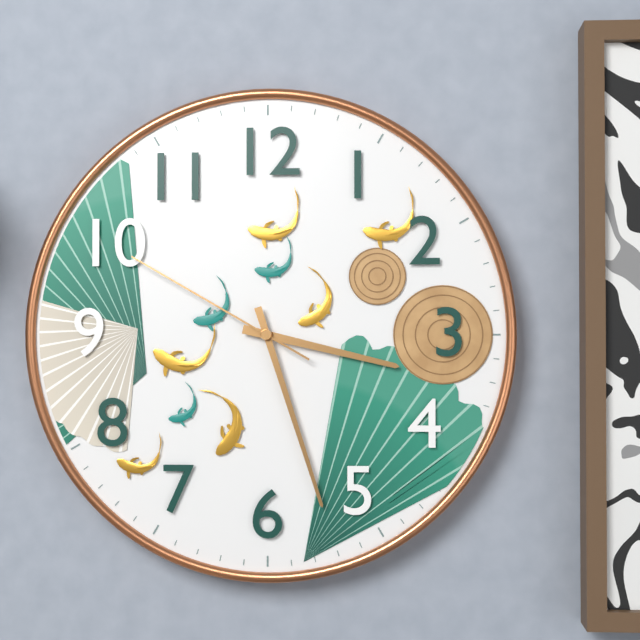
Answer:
3h27m50s
